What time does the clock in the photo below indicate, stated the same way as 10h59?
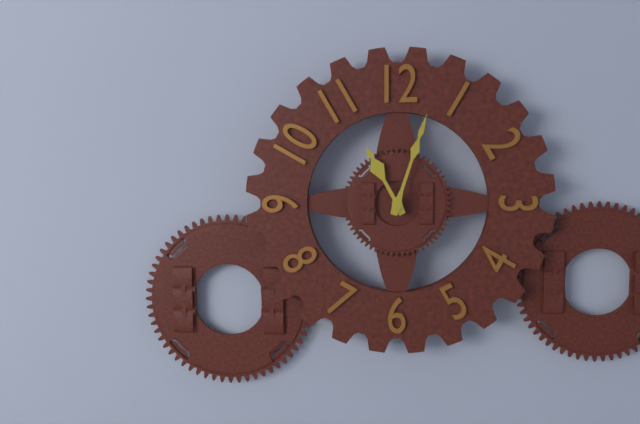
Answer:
11h03
